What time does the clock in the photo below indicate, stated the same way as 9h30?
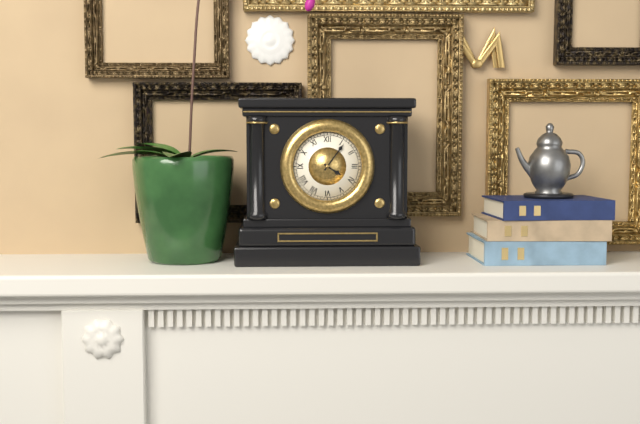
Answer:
4h06
